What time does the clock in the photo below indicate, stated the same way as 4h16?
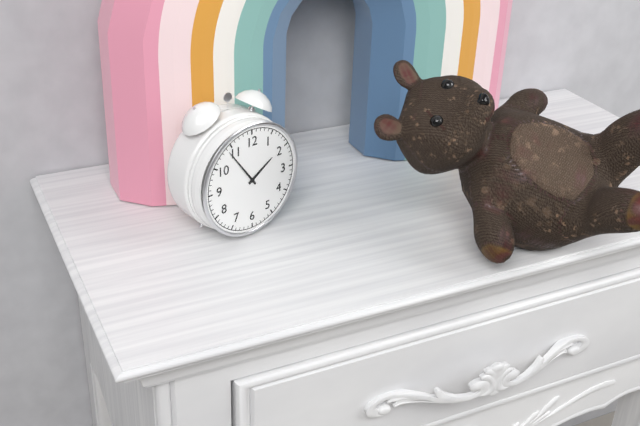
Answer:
1h54
